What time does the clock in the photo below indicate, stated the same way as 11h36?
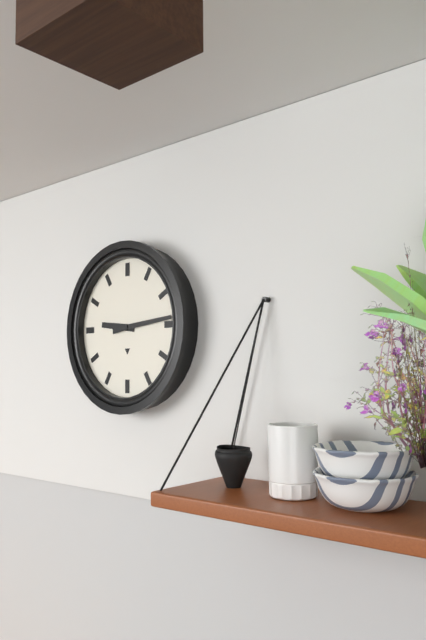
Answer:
9h14
